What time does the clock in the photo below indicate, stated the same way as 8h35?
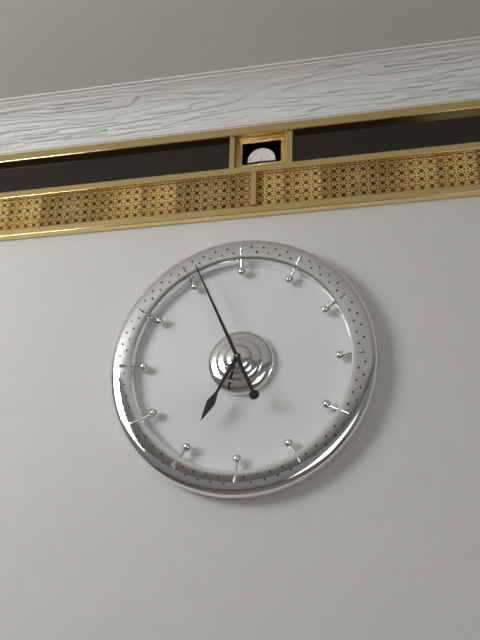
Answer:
6h56
